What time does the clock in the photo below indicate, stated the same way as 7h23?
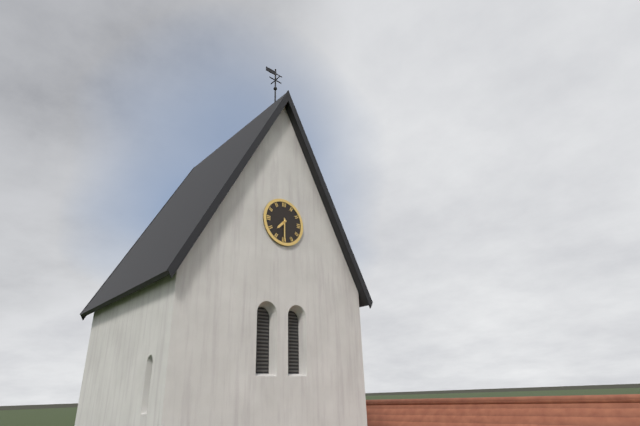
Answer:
7h30
